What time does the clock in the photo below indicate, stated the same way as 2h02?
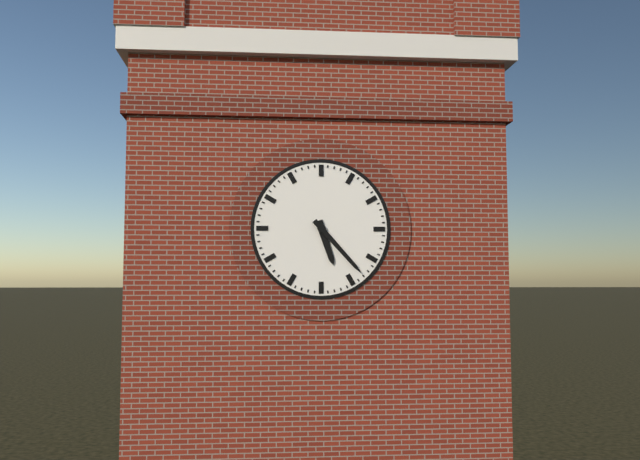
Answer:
5h23
